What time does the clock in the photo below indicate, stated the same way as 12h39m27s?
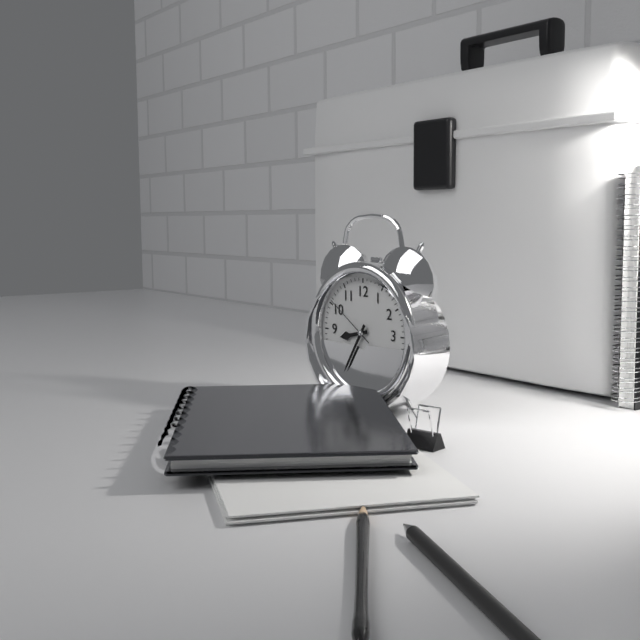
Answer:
8h35m51s
